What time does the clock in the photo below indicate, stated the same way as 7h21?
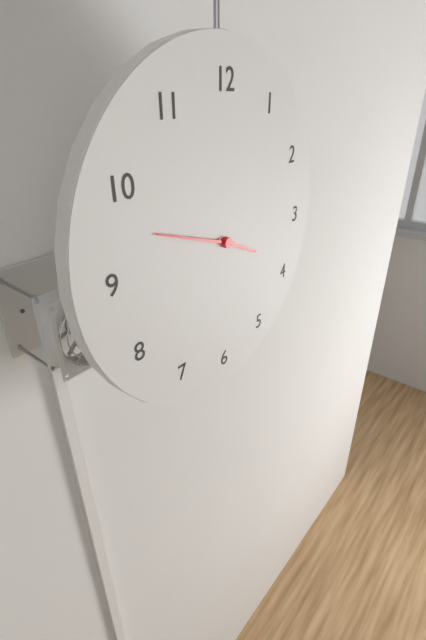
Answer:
3h48
